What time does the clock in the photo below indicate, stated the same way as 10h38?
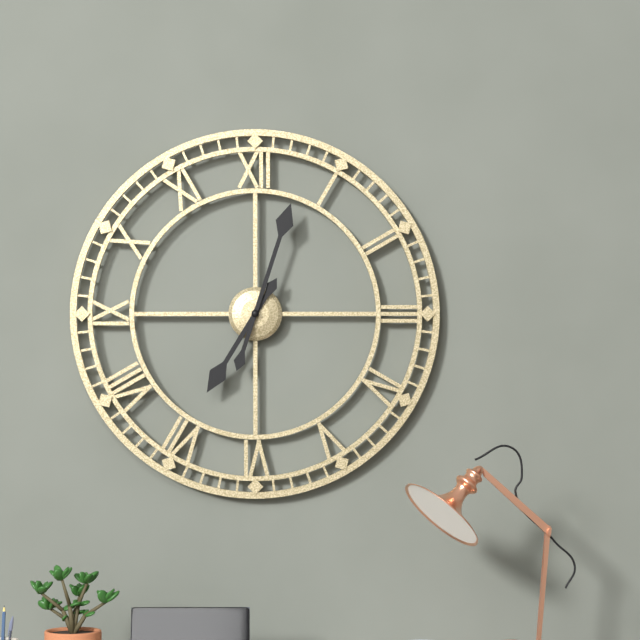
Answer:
7h03
